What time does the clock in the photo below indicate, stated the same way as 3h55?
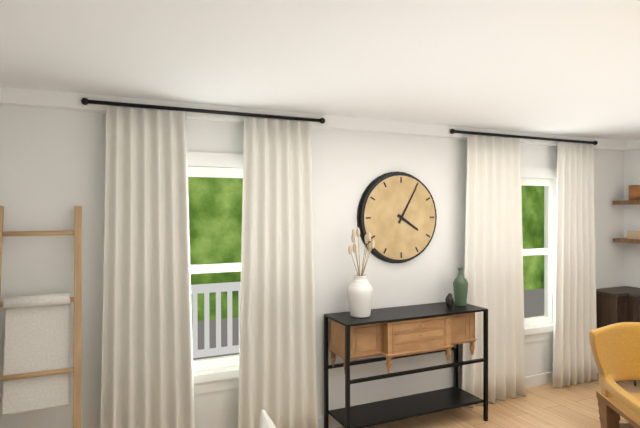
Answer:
4h05
